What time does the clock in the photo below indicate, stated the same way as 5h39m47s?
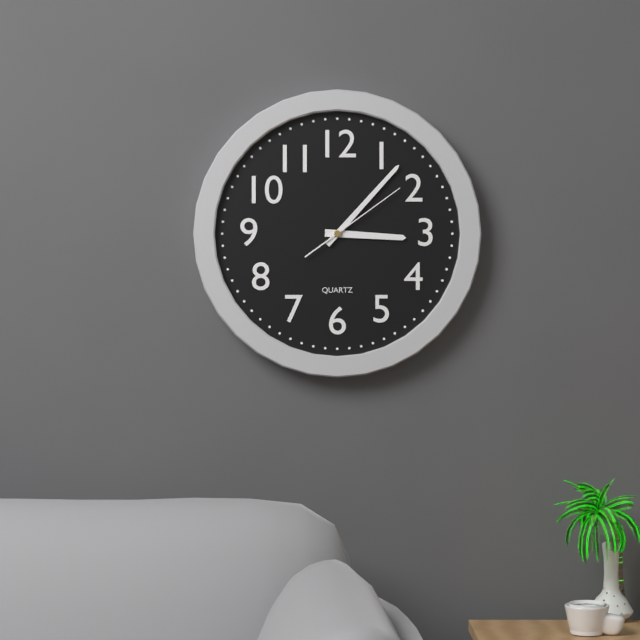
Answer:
3h07m09s
